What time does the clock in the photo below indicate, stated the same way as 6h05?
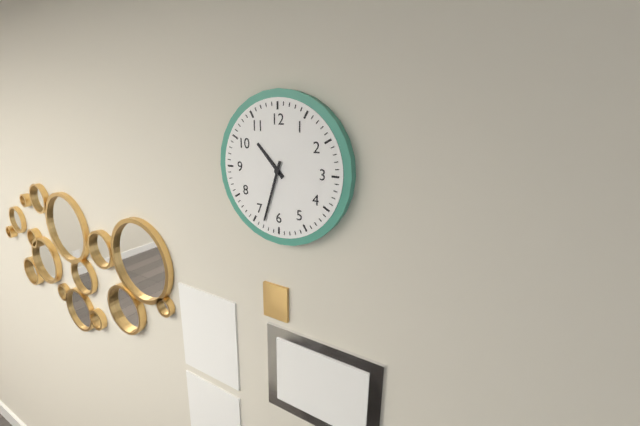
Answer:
10h33
